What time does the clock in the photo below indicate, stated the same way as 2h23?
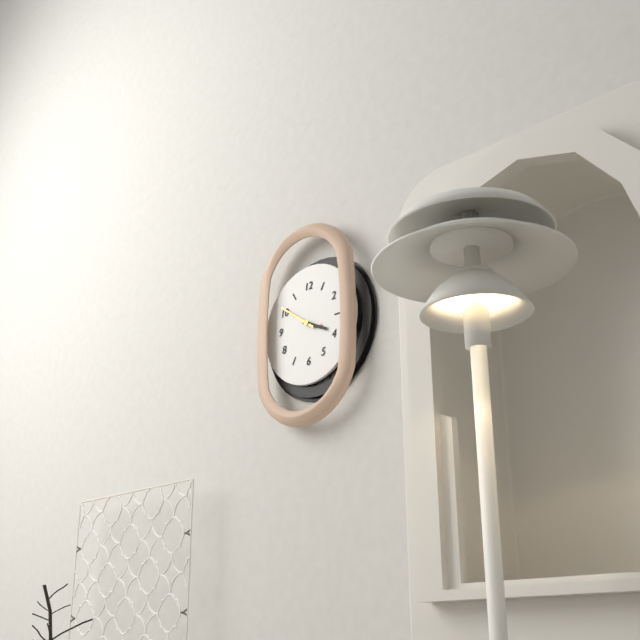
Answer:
3h51
